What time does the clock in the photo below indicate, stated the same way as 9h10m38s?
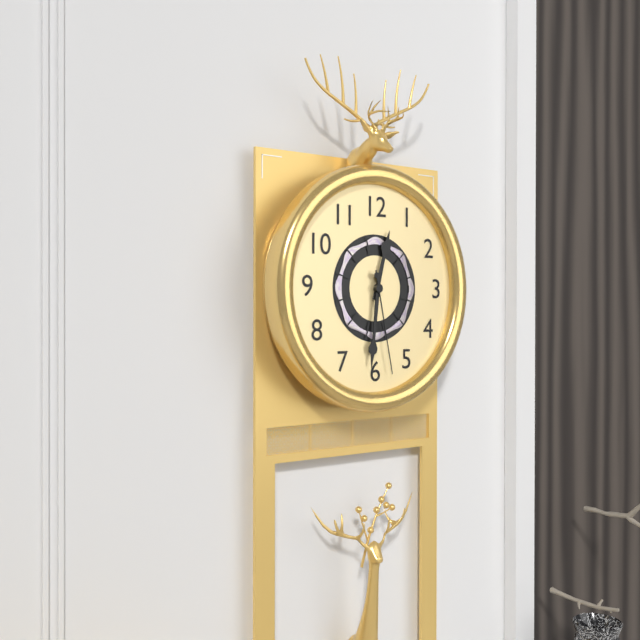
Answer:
12h31m28s
